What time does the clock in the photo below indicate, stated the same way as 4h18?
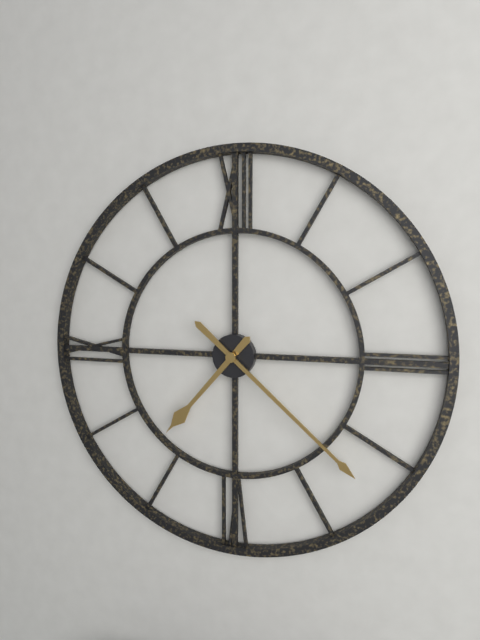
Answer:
7h22
